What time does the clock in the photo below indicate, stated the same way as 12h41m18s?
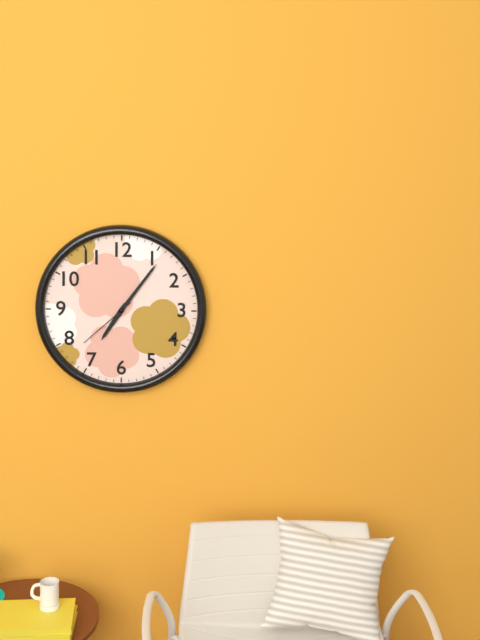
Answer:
7h06m38s
